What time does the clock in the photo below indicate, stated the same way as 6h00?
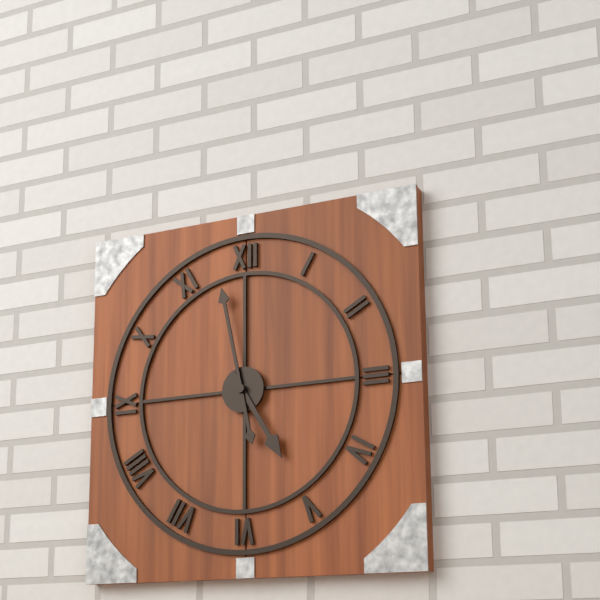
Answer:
4h58
